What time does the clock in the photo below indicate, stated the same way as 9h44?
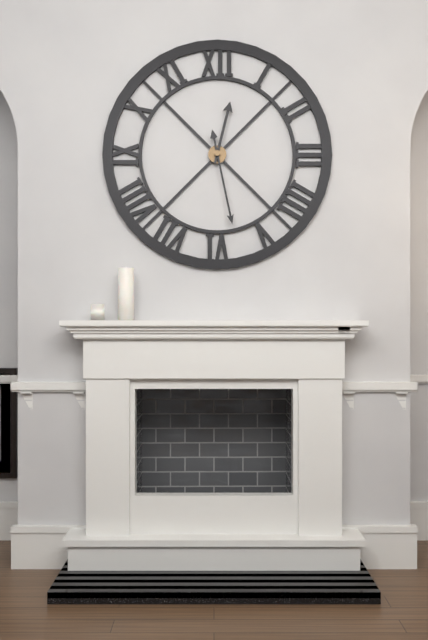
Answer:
12h28
